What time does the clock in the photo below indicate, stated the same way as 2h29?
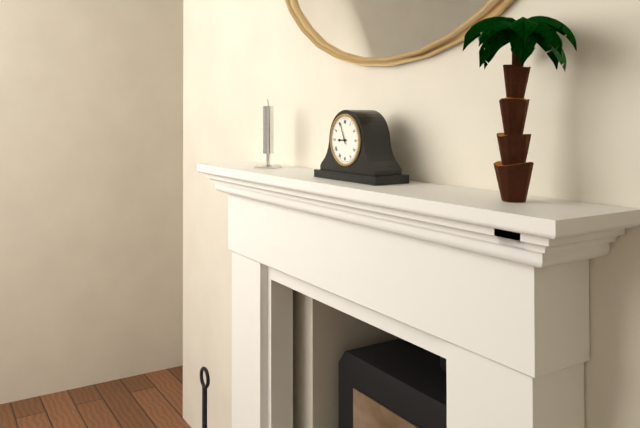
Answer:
8h56
